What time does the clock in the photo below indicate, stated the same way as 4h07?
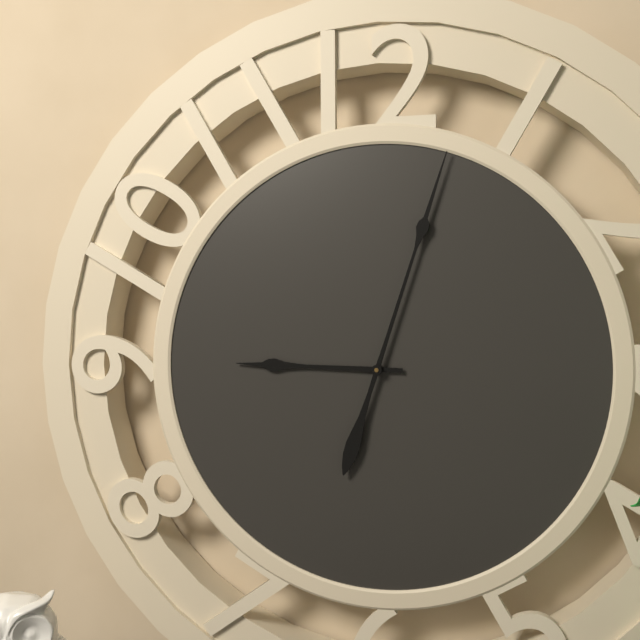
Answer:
9h03
